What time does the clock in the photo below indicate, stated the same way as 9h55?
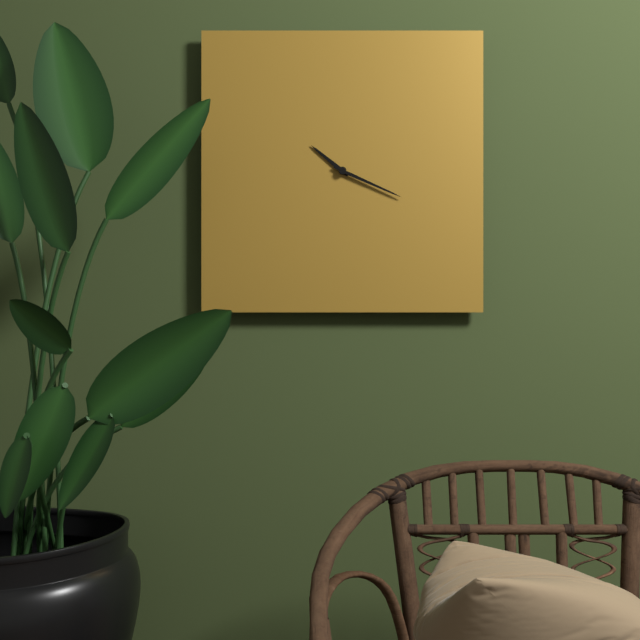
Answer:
10h19
